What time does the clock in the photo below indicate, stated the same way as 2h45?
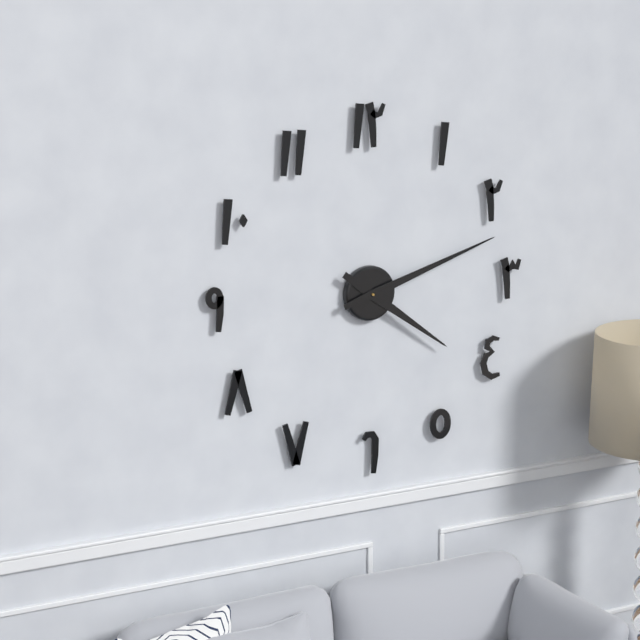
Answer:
4h12
